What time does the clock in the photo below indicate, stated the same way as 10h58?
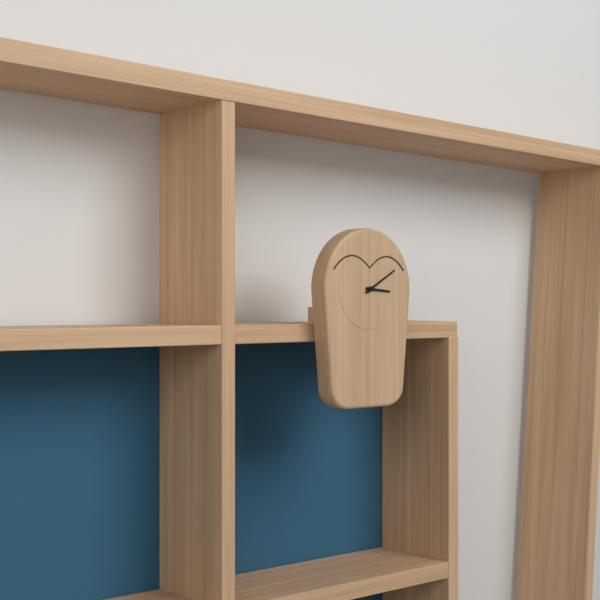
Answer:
3h10
